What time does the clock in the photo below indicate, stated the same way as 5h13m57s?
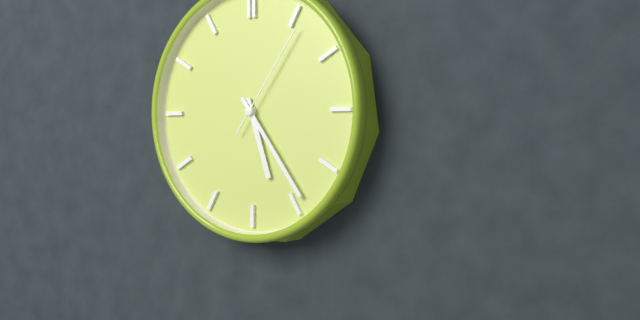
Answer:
5h24m06s
